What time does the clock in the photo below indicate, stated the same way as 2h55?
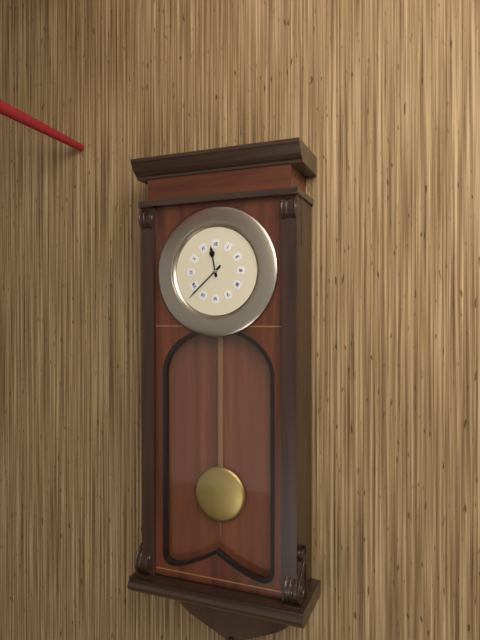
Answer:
11h38
